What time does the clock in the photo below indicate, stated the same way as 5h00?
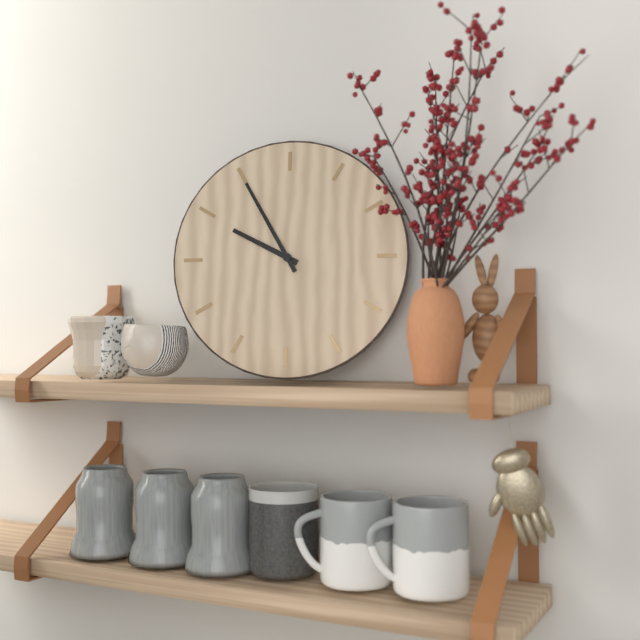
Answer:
9h55
